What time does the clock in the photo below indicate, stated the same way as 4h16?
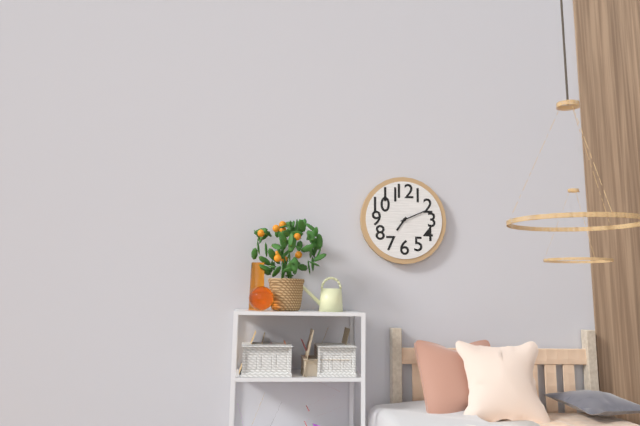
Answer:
7h11
